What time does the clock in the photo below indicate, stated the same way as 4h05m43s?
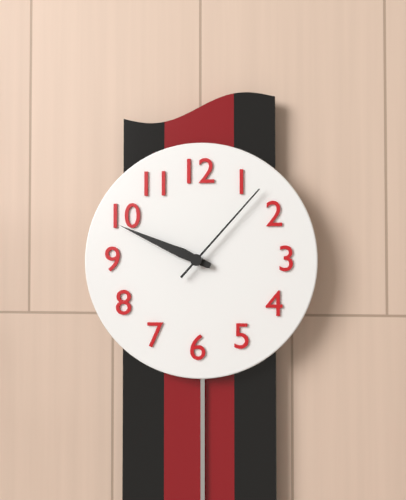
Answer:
9h49m07s
